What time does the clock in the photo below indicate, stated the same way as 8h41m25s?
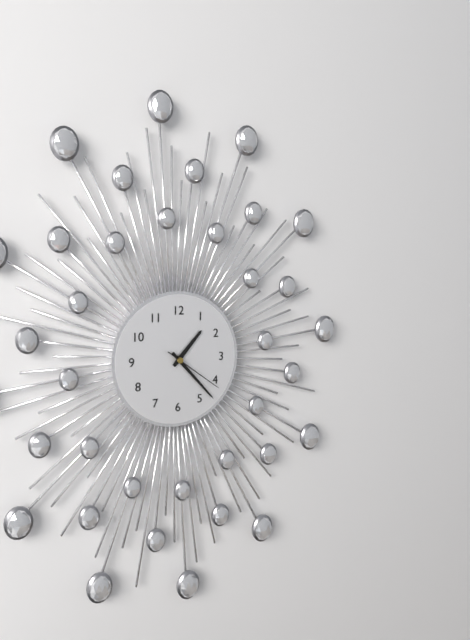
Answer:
1h23m21s
